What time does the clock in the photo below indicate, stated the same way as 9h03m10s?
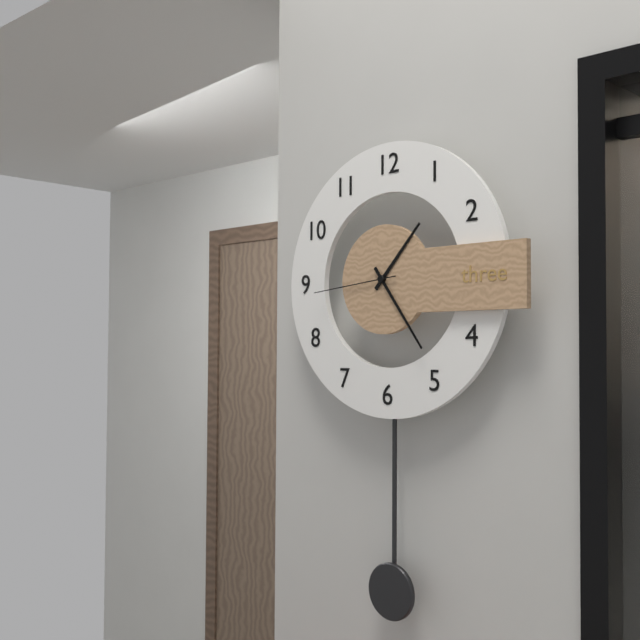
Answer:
1h24m44s
